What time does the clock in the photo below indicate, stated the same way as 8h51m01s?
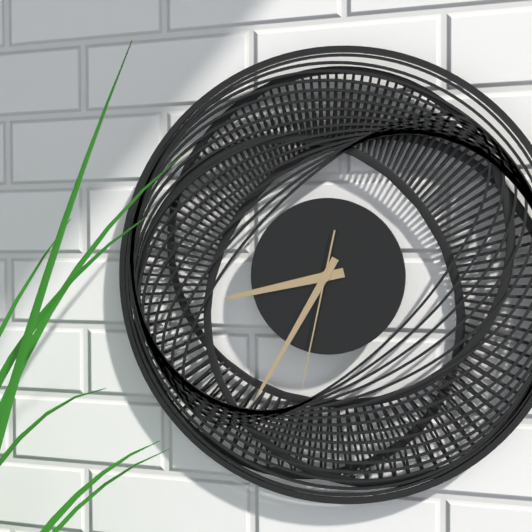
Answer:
8h35m32s
